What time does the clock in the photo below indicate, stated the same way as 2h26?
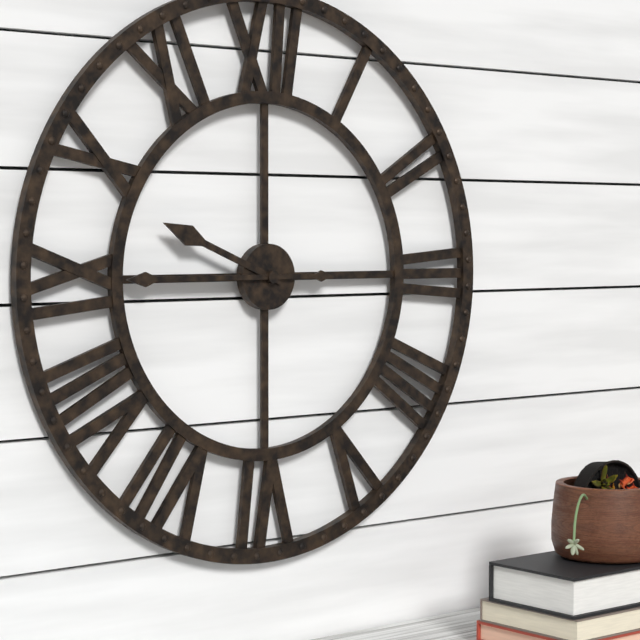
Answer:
9h45
